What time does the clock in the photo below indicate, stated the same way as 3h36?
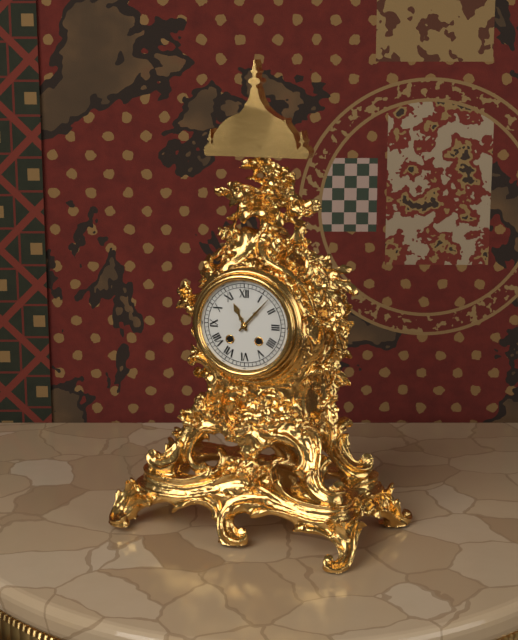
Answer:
11h07
